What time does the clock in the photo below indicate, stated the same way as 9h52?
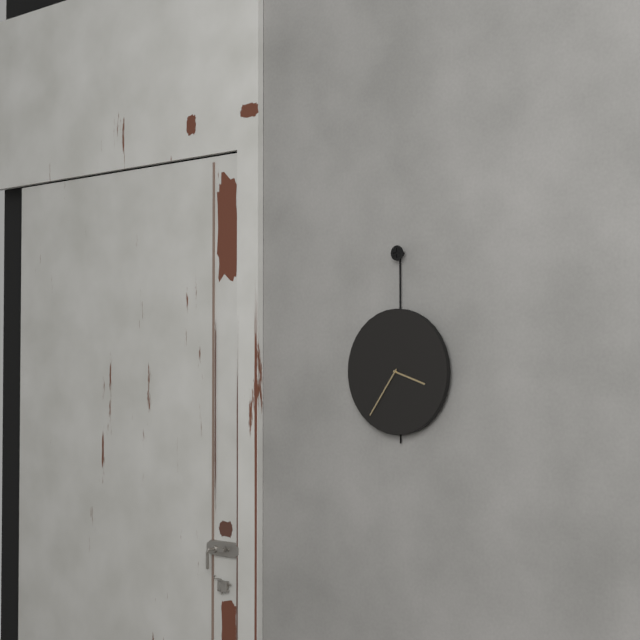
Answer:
3h36
